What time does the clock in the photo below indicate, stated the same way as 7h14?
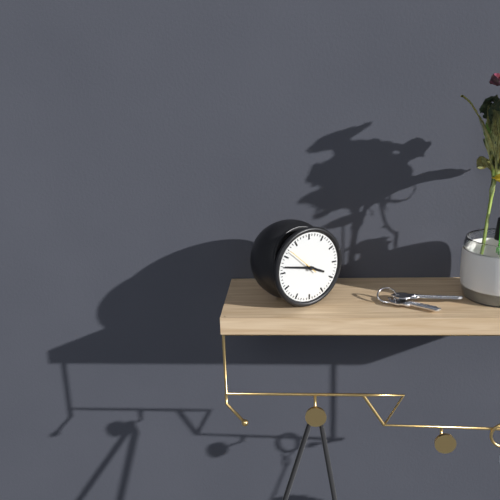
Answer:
3h47
